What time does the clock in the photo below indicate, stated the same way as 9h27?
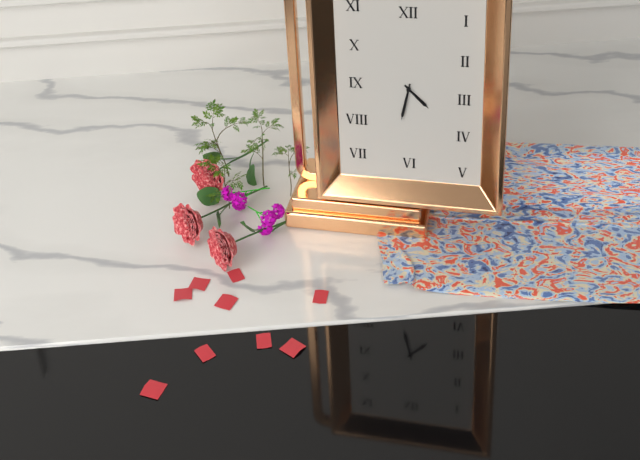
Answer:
4h32
